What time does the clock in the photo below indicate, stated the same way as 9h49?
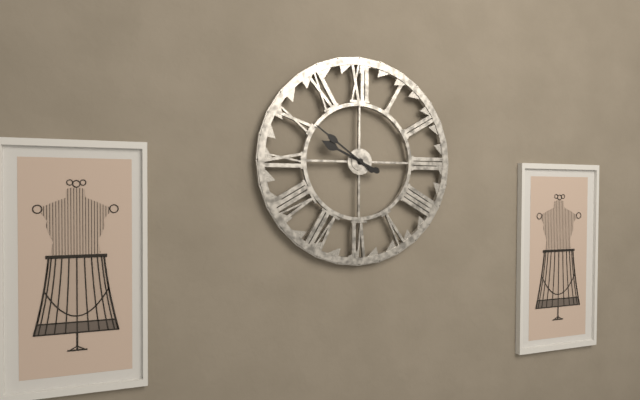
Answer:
9h51
